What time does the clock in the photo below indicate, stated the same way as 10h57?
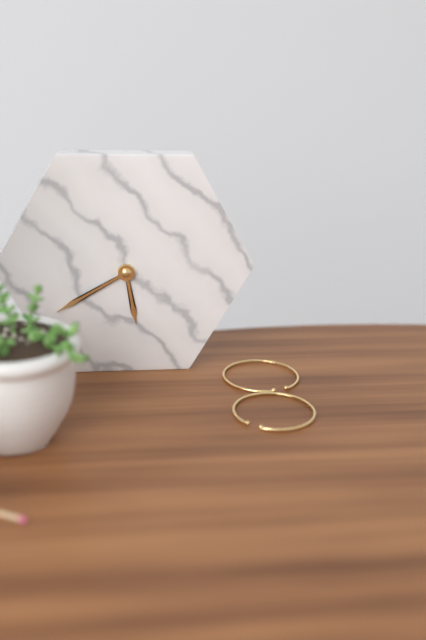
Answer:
5h40
